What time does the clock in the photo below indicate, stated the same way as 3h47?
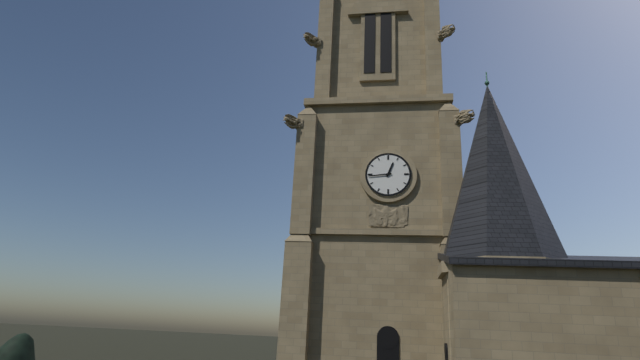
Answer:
12h44
